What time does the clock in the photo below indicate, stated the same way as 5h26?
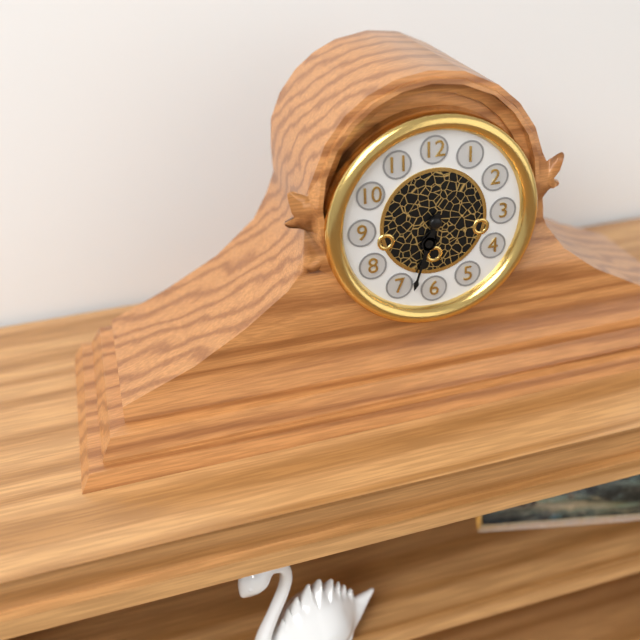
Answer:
6h33
